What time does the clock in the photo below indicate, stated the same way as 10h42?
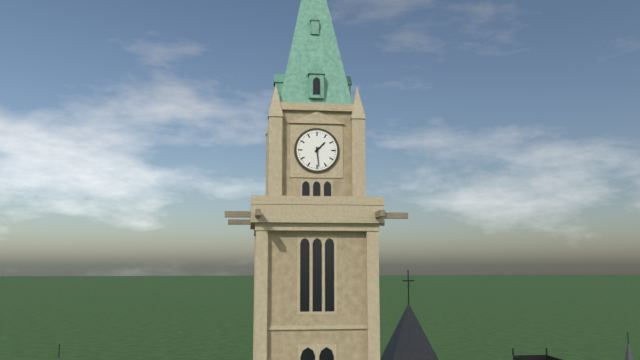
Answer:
1h29
